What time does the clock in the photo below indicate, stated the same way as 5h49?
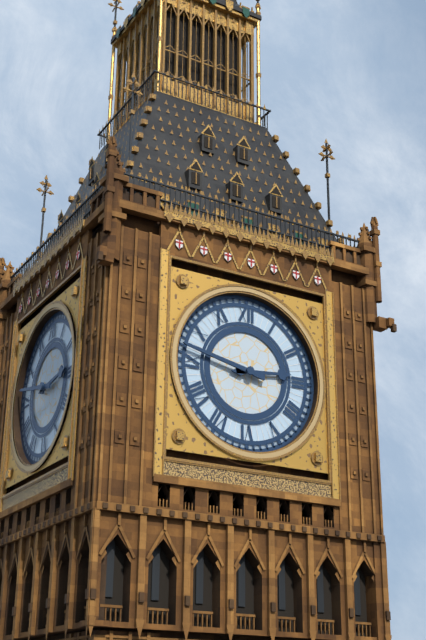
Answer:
2h47
